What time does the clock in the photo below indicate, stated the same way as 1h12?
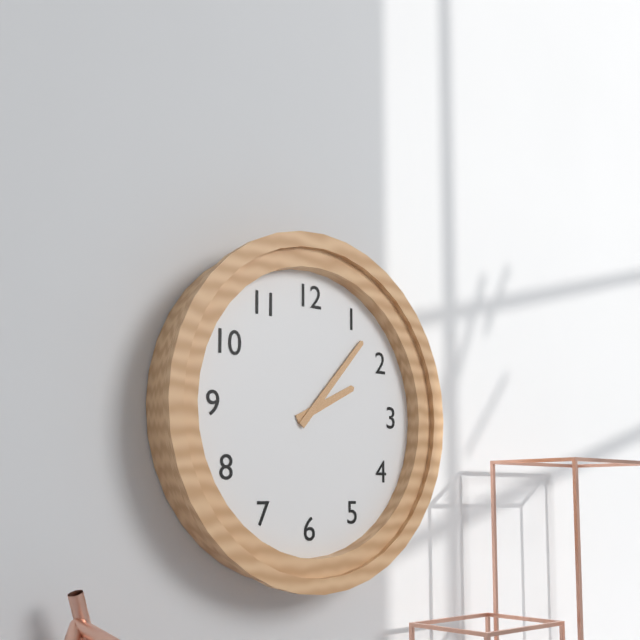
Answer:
2h07
